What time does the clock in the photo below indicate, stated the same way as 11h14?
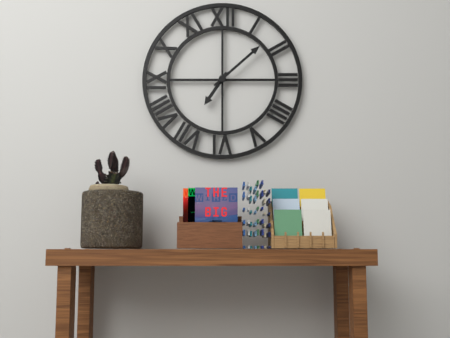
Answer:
7h08
